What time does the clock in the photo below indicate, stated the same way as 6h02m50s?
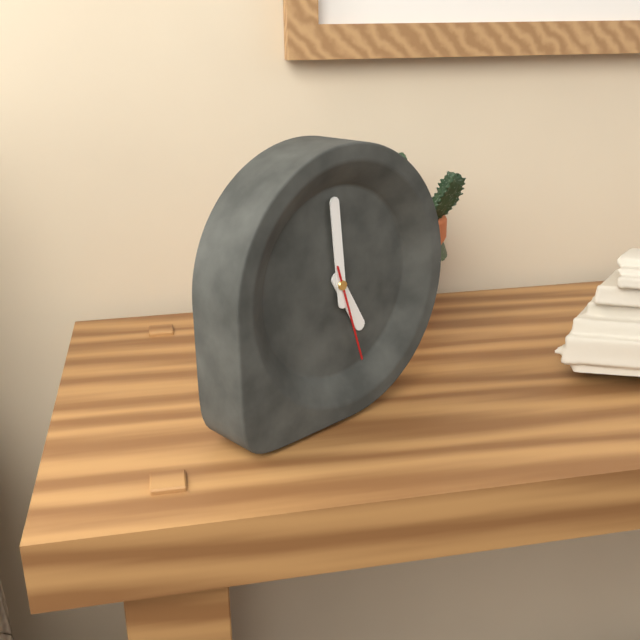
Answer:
4h59m27s
